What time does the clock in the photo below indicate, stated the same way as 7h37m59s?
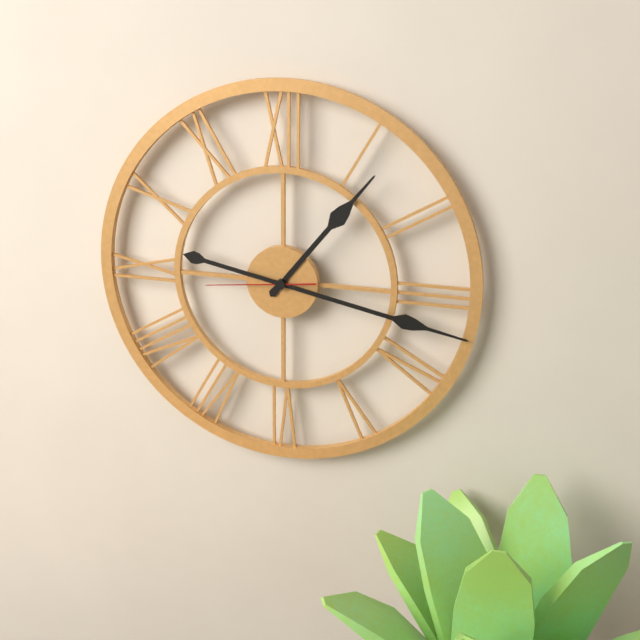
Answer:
1h17m44s
